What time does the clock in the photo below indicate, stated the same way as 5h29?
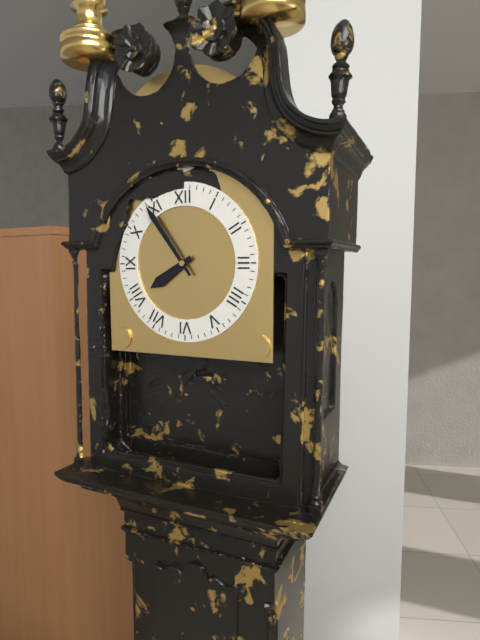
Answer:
7h54
